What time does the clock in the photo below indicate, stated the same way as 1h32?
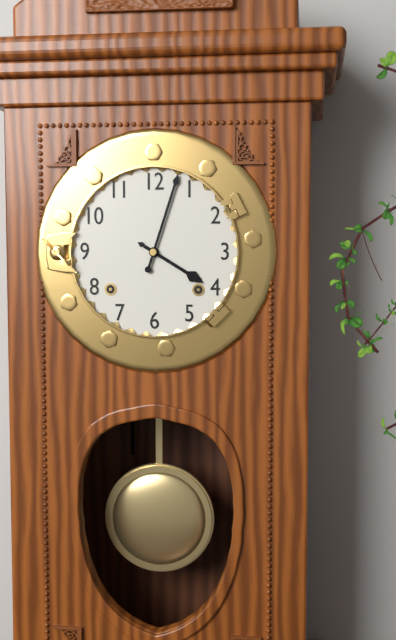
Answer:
4h03
